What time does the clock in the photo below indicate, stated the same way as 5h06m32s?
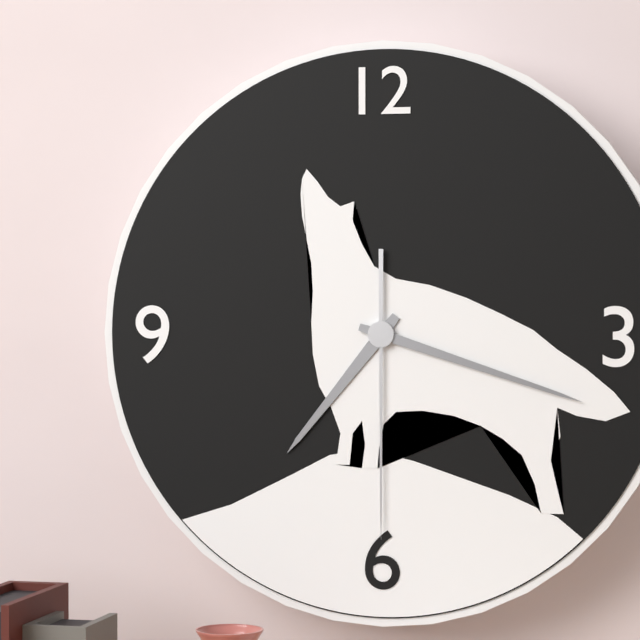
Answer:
7h18m30s
